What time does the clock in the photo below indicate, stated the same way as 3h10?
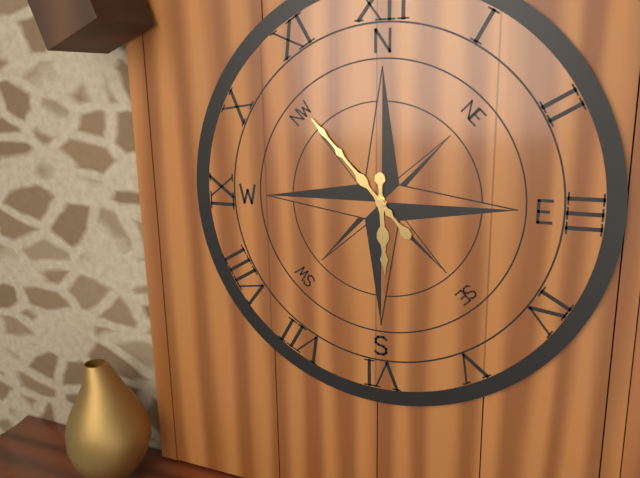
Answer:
5h53
